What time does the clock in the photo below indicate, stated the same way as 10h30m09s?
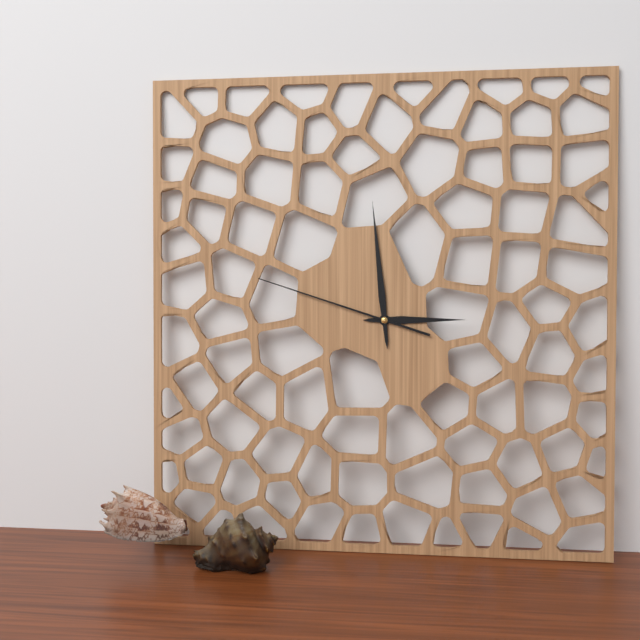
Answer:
2h59m48s
